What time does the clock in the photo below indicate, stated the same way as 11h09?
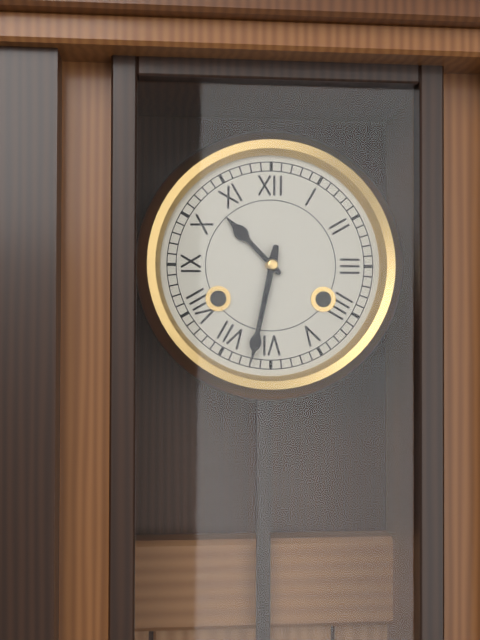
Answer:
10h32
